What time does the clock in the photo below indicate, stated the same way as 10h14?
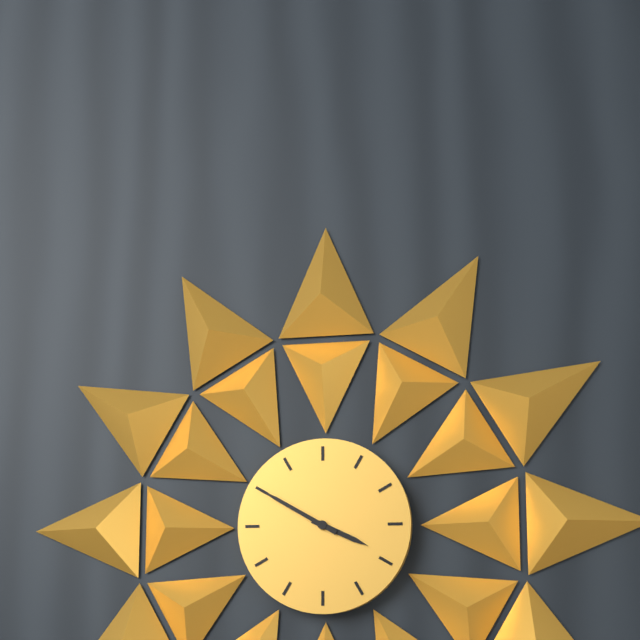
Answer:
3h50
